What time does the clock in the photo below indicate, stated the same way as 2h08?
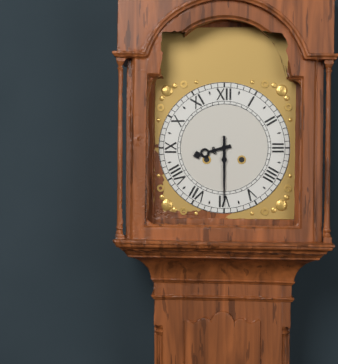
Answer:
8h30
